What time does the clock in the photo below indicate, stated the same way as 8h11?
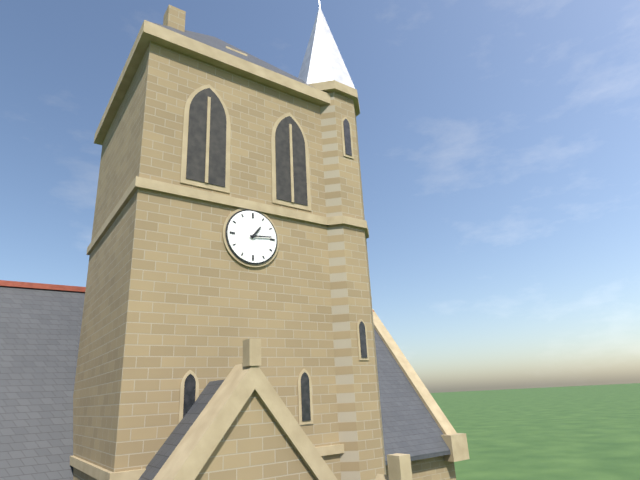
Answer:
1h14
